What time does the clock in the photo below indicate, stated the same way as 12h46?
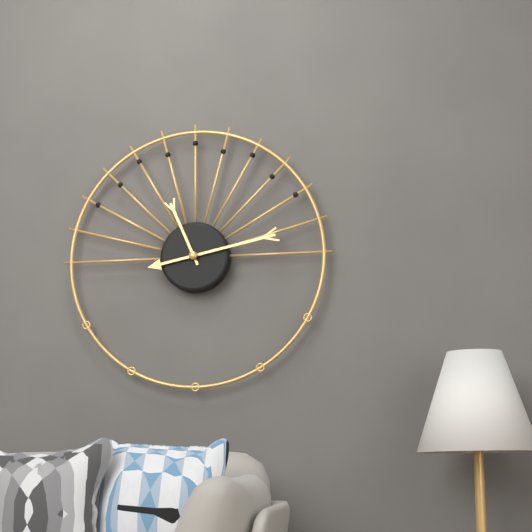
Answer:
11h13
